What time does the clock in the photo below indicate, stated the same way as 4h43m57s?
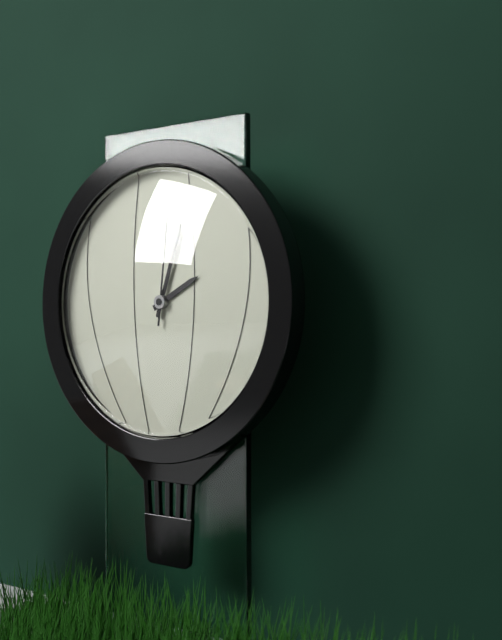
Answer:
2h03m01s
